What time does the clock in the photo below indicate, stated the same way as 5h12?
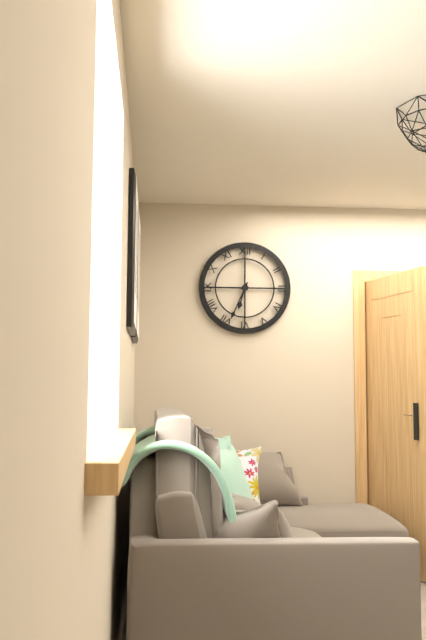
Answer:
6h34
